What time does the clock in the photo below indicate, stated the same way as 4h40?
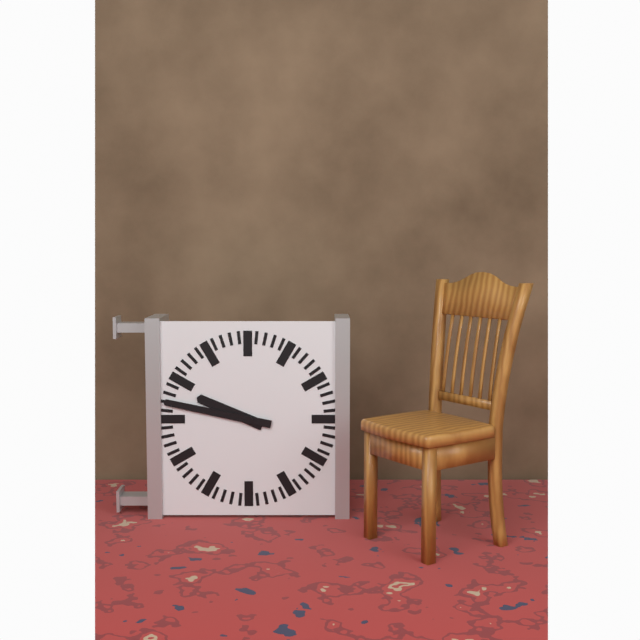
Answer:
9h47
